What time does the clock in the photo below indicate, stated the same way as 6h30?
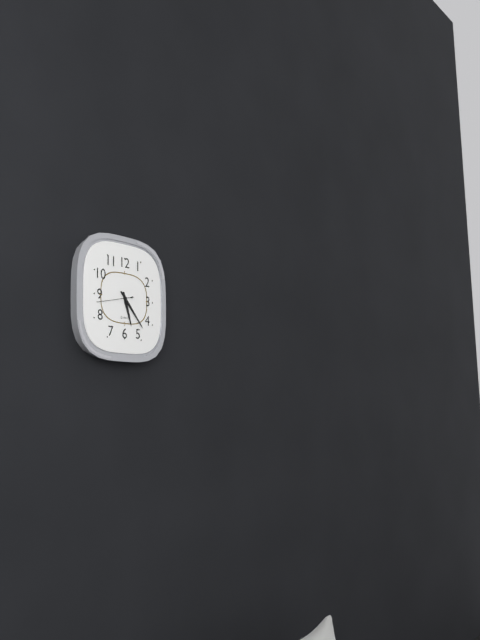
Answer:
5h23
